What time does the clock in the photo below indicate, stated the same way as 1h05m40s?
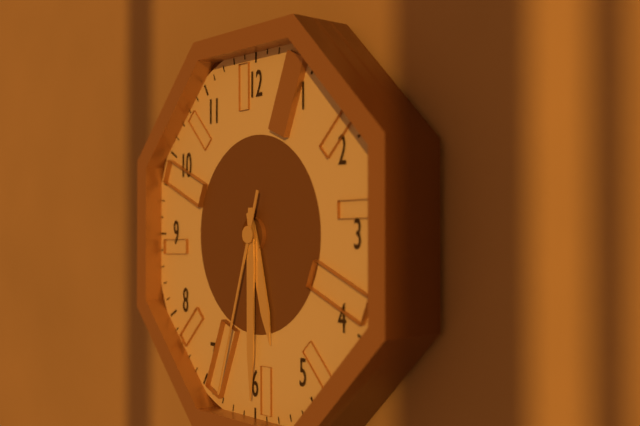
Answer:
5h30m33s
